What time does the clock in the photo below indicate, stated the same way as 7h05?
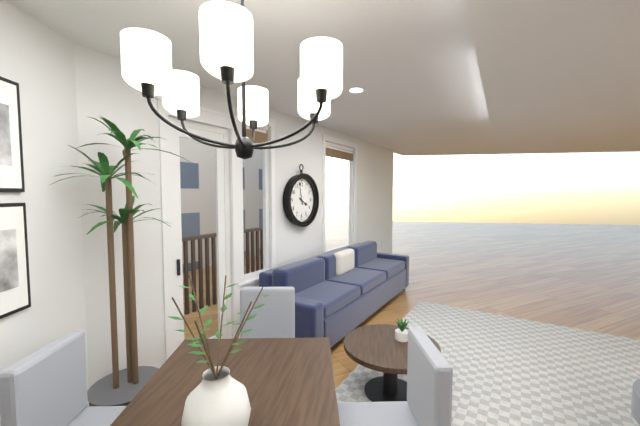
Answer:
3h58
